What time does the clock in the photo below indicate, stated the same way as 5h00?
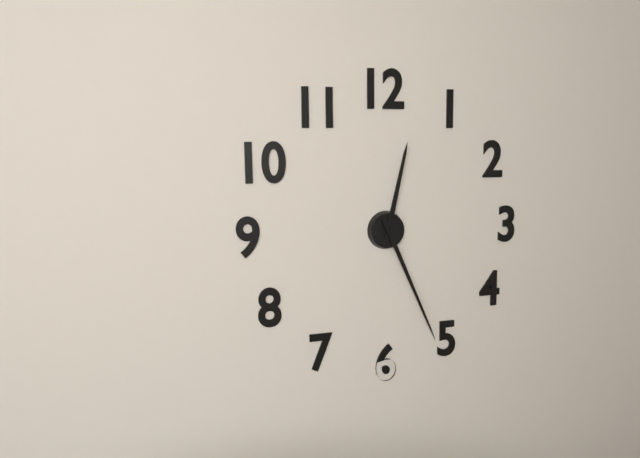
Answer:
12h26
